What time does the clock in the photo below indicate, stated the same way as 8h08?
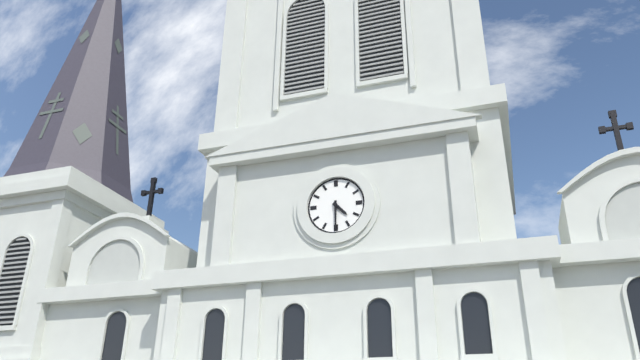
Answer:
4h30
